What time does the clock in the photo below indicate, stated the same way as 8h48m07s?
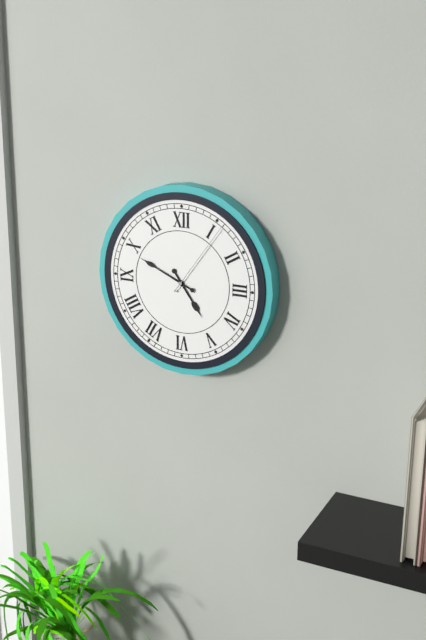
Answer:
4h49m06s
